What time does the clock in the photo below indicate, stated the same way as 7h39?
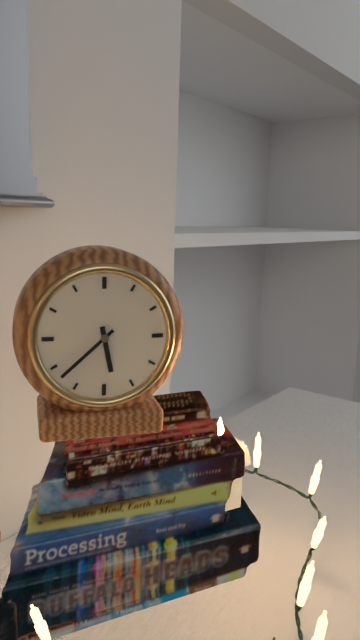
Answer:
5h38
